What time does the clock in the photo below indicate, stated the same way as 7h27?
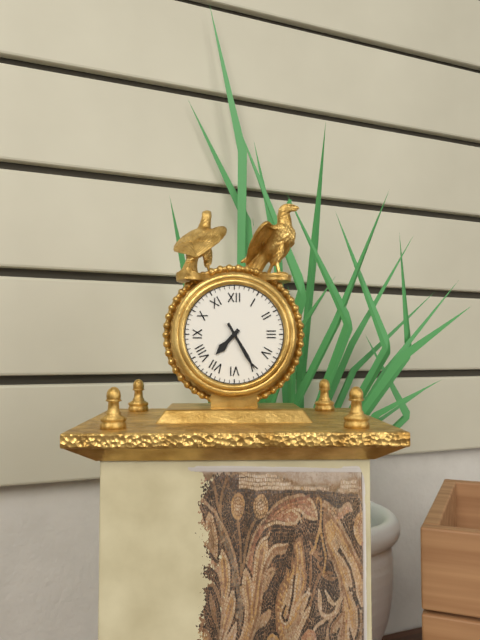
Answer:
7h25
